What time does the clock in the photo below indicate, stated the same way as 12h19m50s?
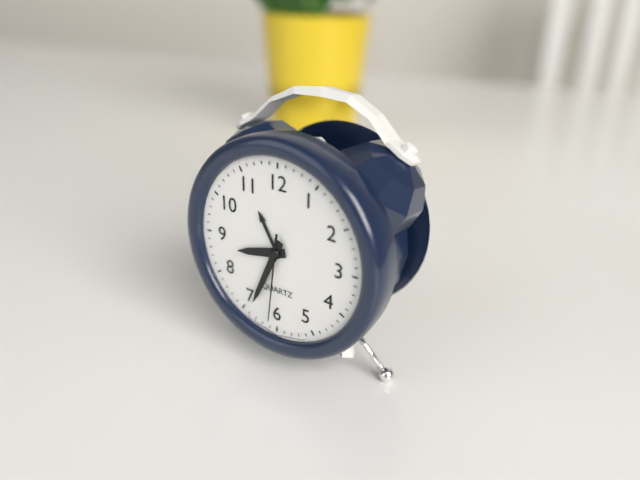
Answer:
8h34m31s
